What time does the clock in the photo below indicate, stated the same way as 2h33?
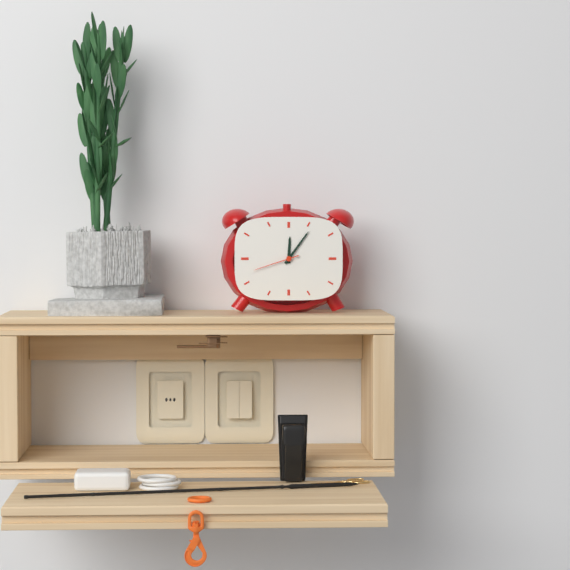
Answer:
12h06
